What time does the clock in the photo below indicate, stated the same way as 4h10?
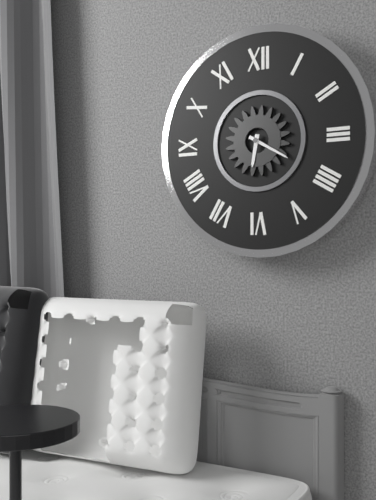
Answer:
6h20
